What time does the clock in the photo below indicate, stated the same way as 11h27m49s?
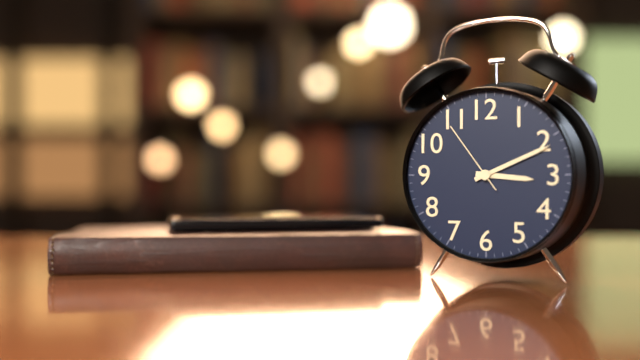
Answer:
3h11m54s
